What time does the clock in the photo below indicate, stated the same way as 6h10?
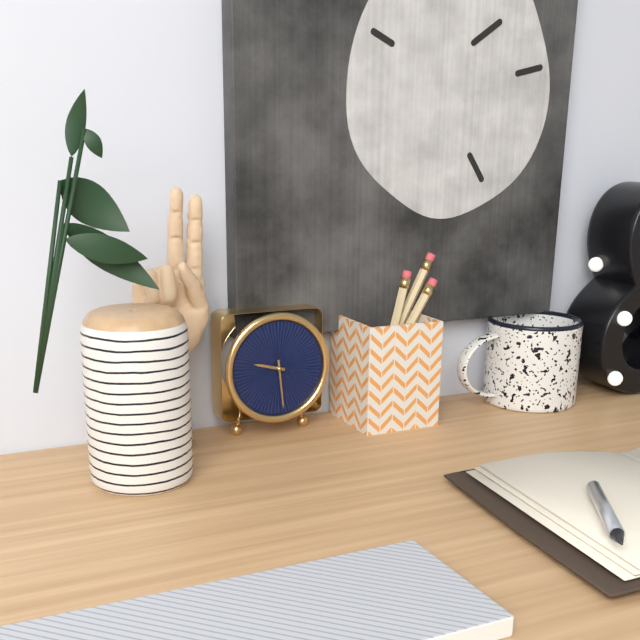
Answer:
9h29
